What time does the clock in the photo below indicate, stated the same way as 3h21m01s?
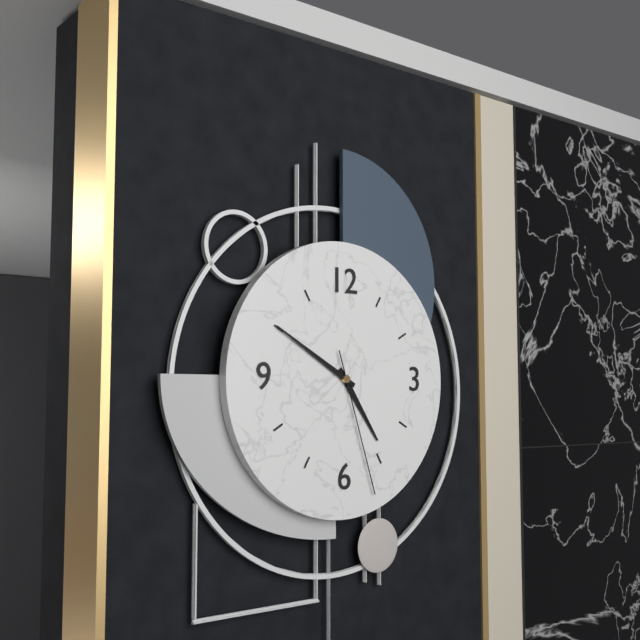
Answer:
4h50m27s
